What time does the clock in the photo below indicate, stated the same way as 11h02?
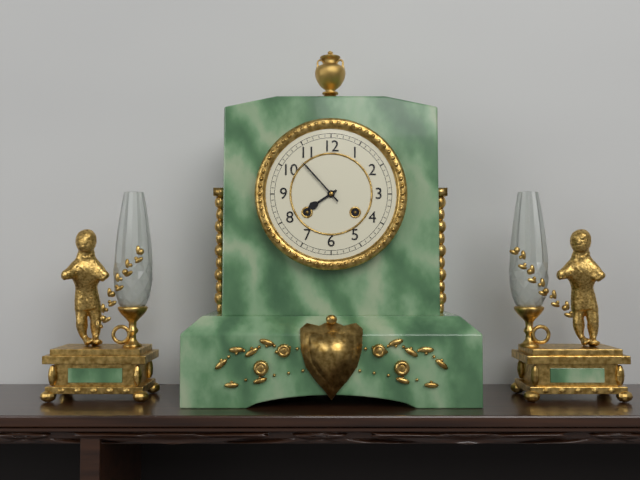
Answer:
7h53
